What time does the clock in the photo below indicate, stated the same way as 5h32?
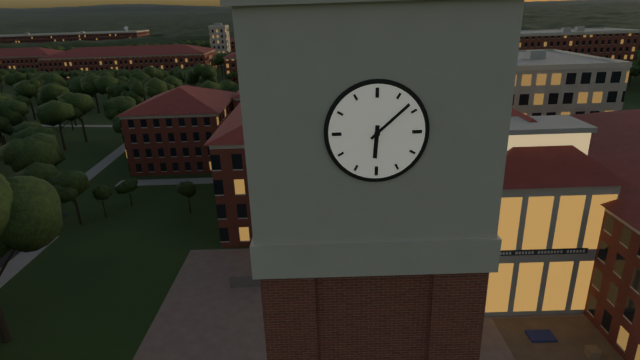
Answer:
6h08
